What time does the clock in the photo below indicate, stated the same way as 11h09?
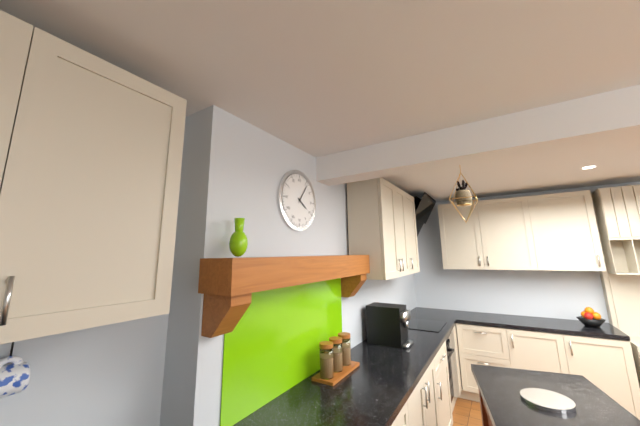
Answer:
4h06
